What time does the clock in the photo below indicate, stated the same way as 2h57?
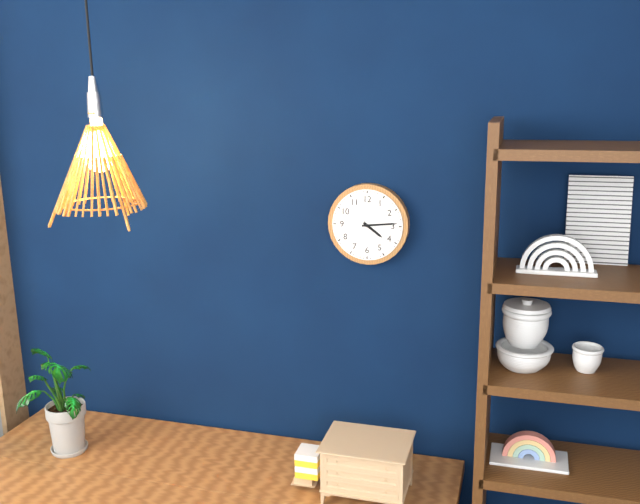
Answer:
4h14
